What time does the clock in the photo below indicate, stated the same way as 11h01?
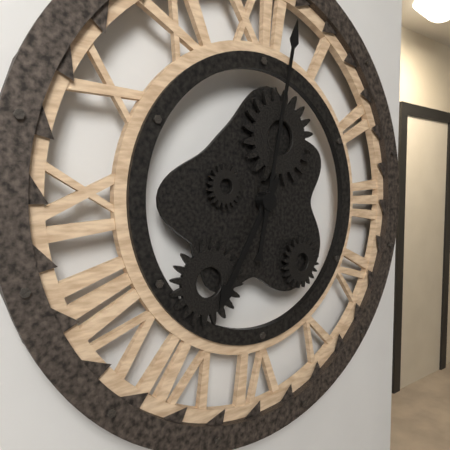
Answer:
7h02
